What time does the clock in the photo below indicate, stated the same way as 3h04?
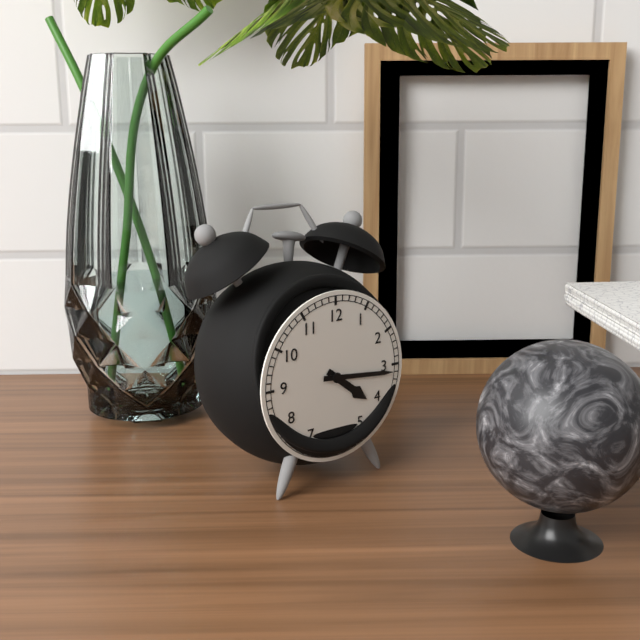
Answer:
4h16
